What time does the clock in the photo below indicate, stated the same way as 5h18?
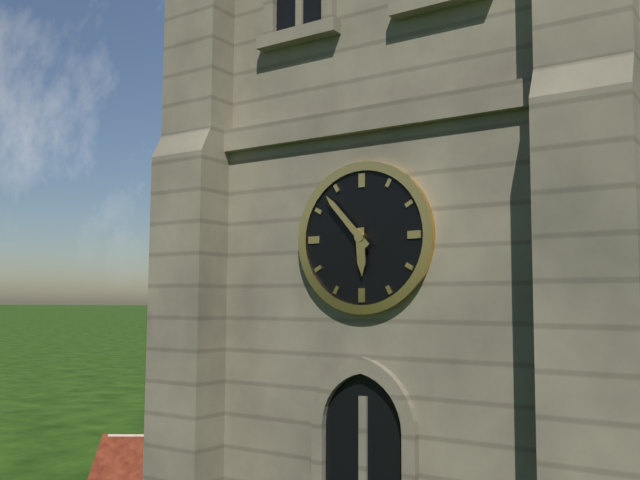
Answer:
5h53
